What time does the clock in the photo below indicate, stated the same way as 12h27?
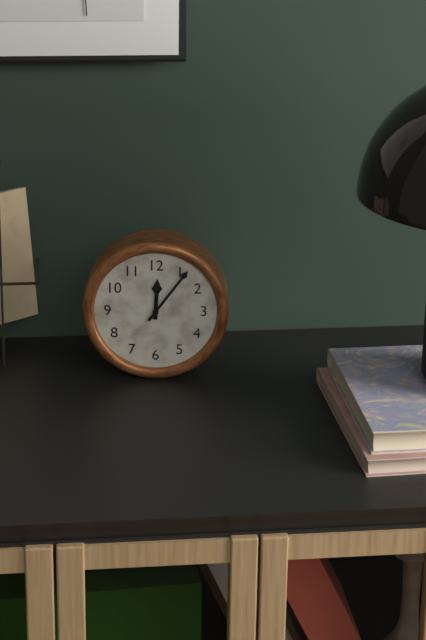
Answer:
12h06
